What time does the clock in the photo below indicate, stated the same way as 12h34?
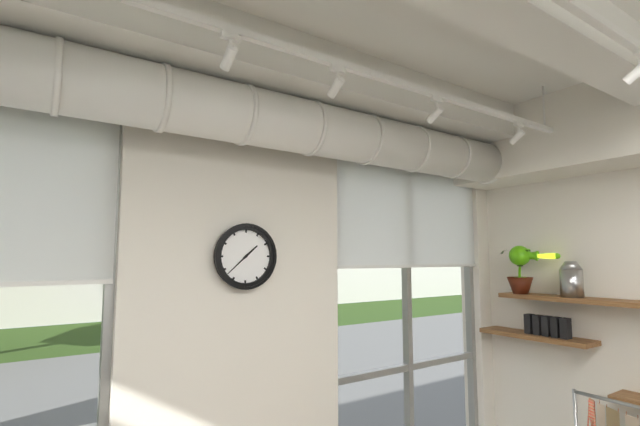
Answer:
1h38
